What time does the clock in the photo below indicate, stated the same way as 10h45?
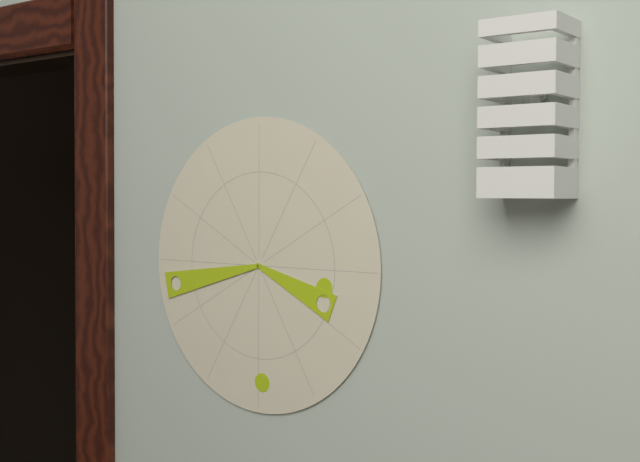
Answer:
3h43
